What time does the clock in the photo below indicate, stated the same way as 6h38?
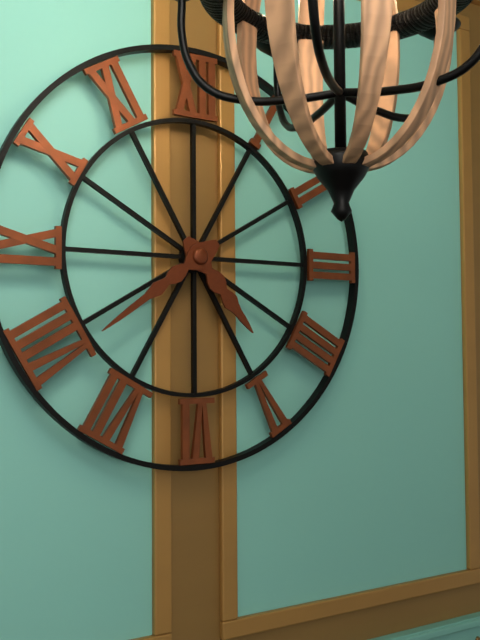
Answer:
4h39
